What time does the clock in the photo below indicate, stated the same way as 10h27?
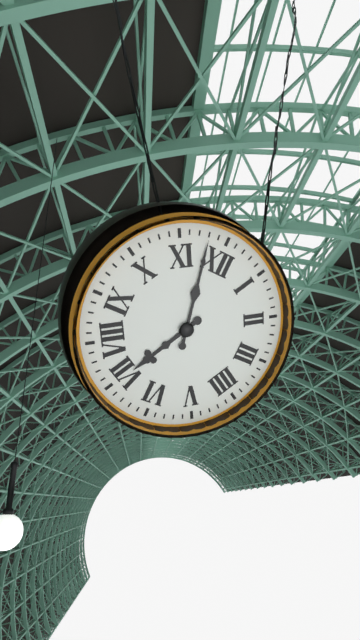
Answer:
6h58
